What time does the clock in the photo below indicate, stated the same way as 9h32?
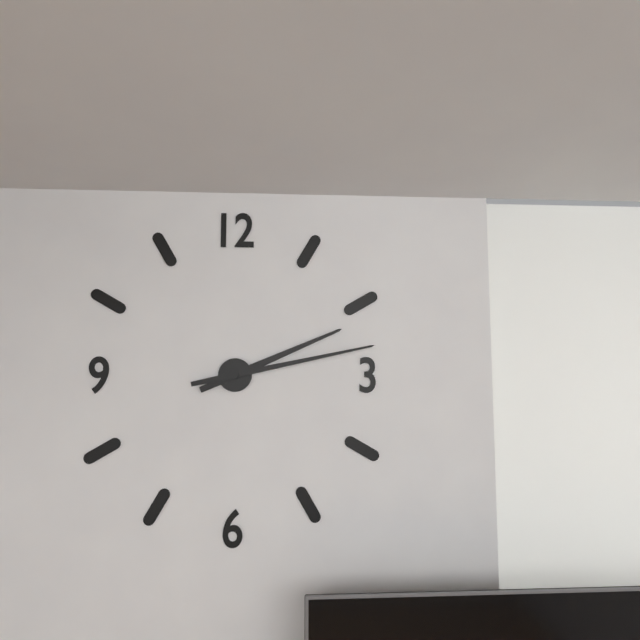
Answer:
2h13
